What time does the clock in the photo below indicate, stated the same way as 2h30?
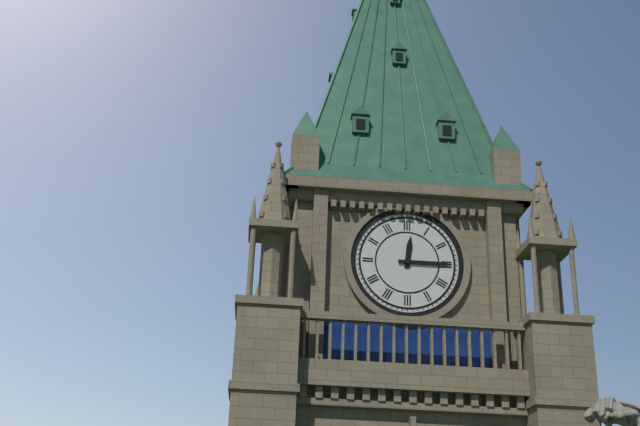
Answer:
12h15
